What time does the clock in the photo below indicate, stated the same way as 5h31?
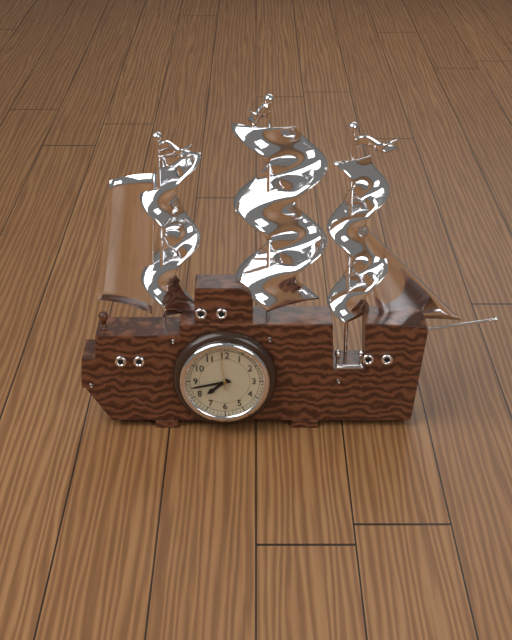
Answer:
7h43
